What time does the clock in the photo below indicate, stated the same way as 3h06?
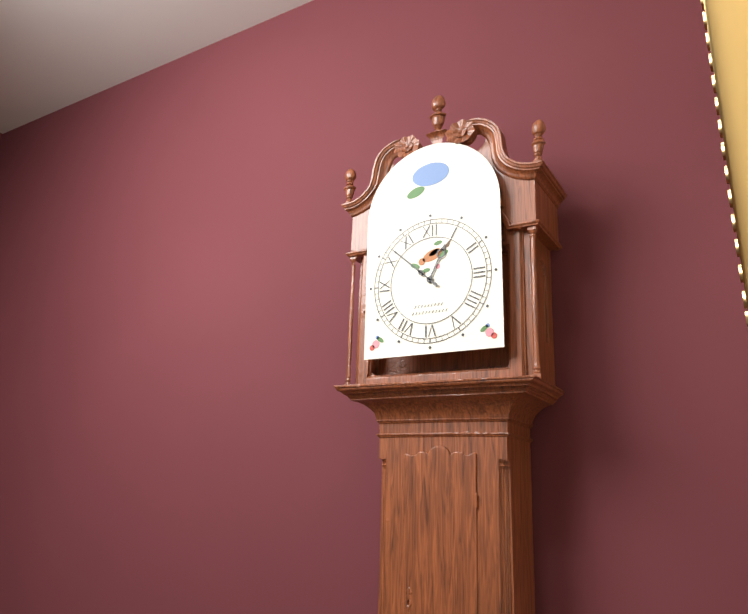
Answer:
12h52
